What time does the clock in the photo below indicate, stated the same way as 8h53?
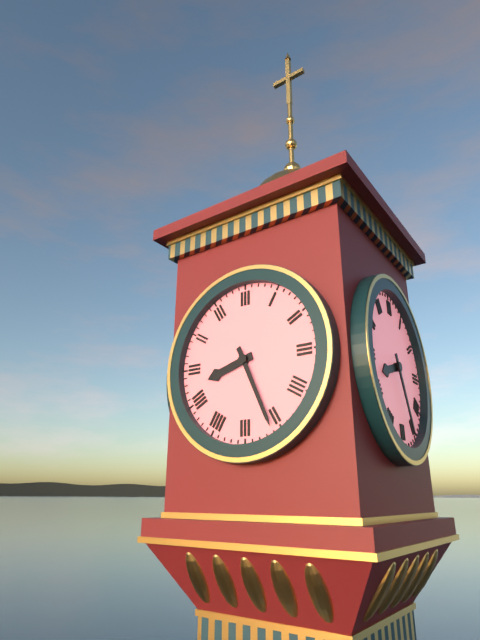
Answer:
8h26
